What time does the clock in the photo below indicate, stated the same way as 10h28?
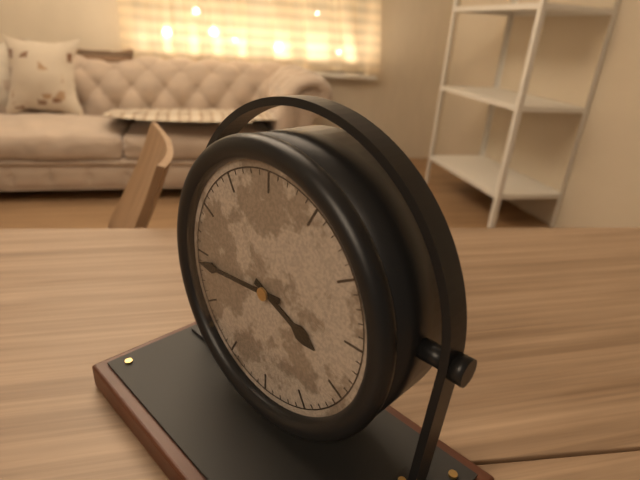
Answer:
3h44
